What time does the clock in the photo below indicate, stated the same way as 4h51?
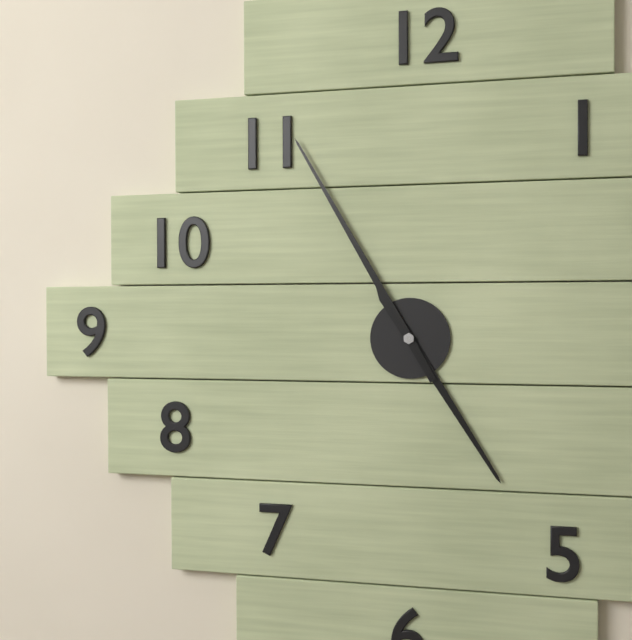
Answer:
4h55
